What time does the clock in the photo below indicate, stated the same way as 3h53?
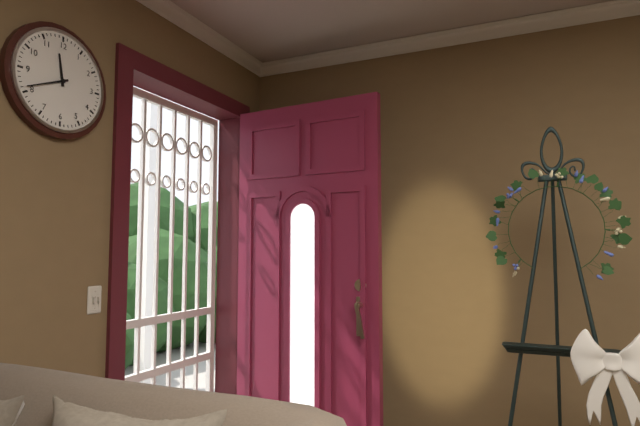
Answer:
11h41
